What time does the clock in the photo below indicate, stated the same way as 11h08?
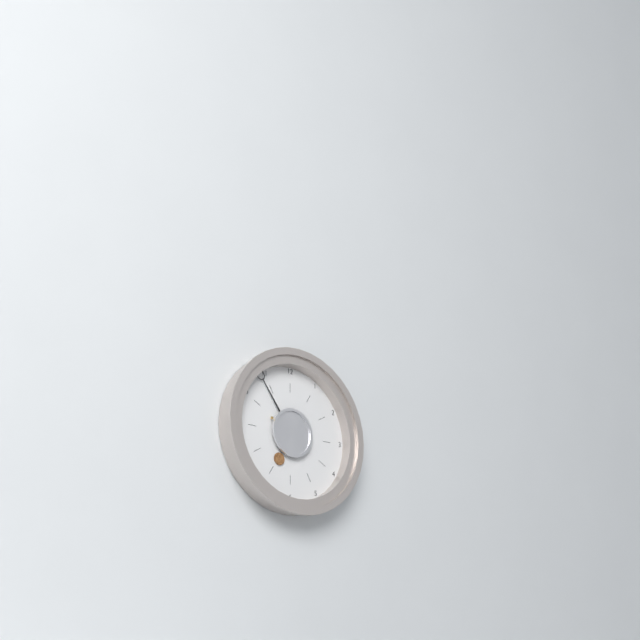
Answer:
6h54
